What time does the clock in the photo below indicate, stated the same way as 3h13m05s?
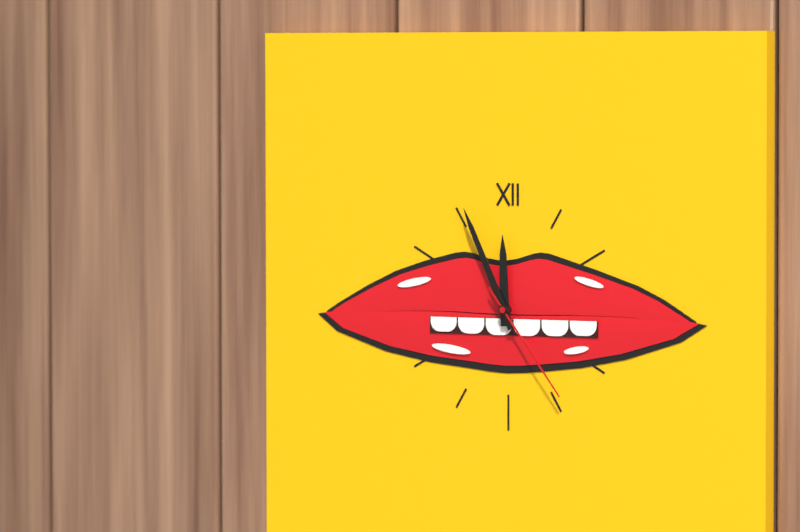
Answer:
11h56m24s
